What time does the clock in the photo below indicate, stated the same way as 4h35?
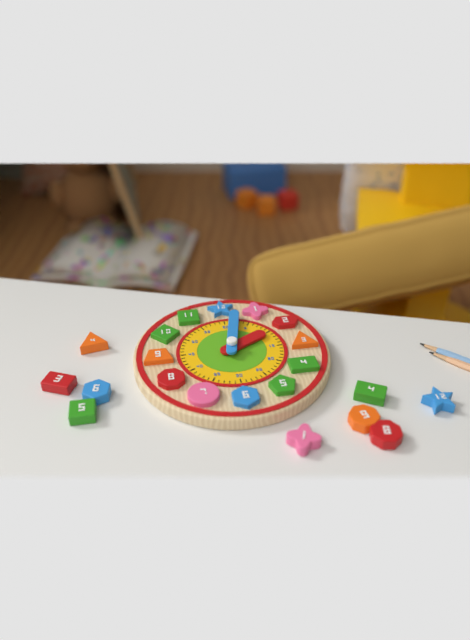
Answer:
2h02
